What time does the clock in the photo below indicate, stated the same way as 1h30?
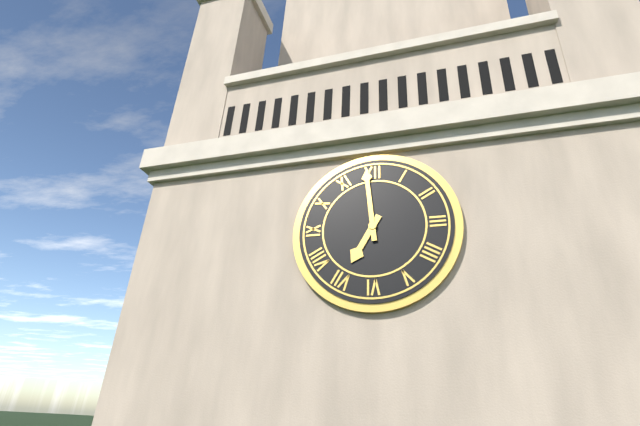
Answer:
6h59
